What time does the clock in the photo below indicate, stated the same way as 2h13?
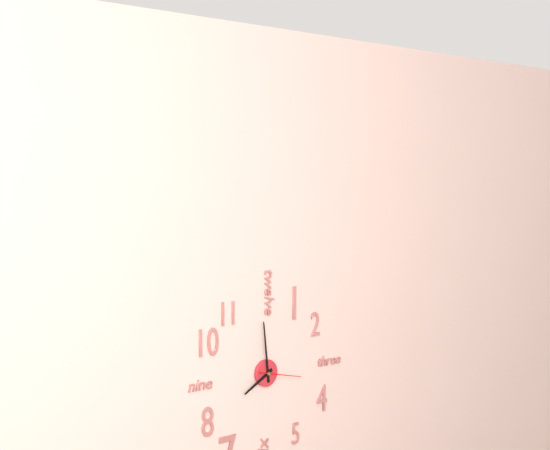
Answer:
7h59
